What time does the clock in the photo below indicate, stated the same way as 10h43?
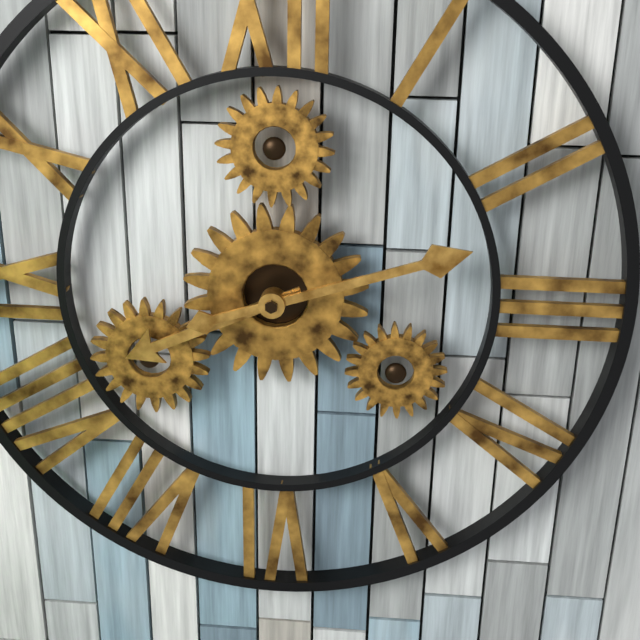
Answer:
8h12
